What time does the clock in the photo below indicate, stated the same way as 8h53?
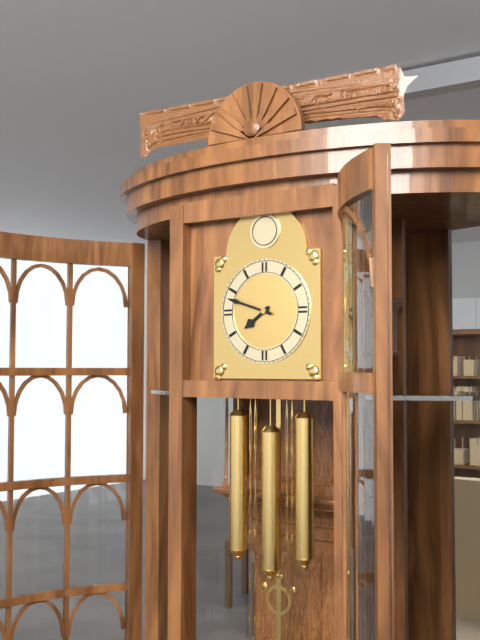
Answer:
7h48
